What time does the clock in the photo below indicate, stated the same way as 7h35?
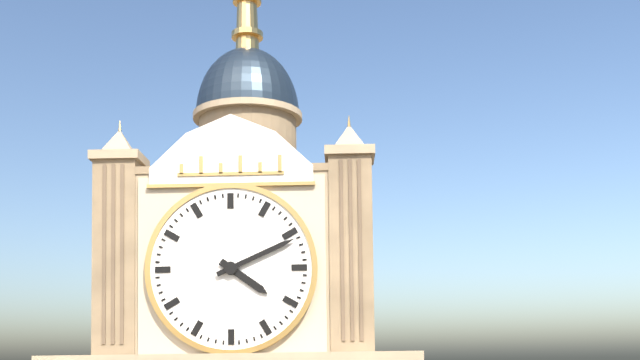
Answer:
4h11
